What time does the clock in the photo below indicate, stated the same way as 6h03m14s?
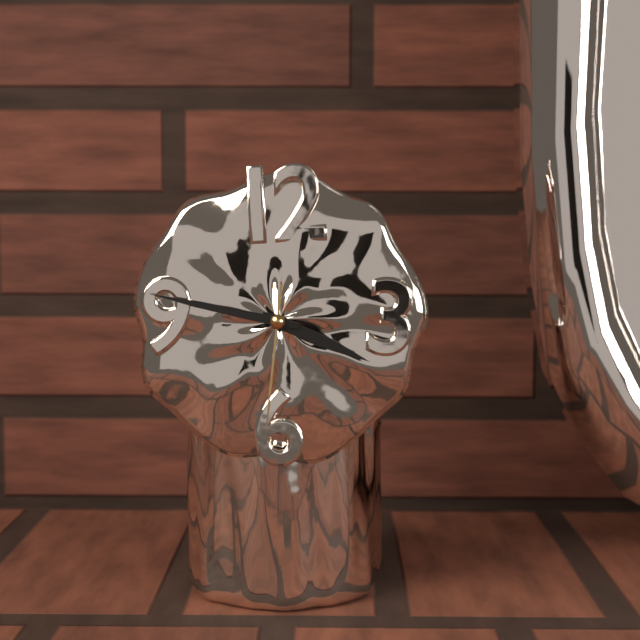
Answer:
3h47m31s
